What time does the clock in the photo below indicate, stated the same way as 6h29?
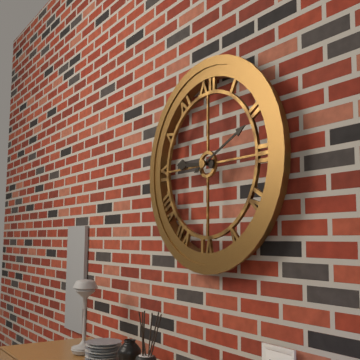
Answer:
9h11
